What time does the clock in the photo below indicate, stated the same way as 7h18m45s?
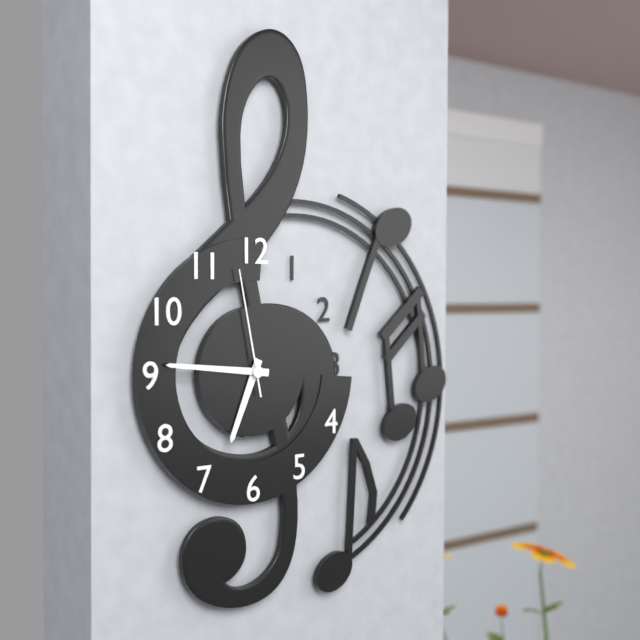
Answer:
6h46m58s
